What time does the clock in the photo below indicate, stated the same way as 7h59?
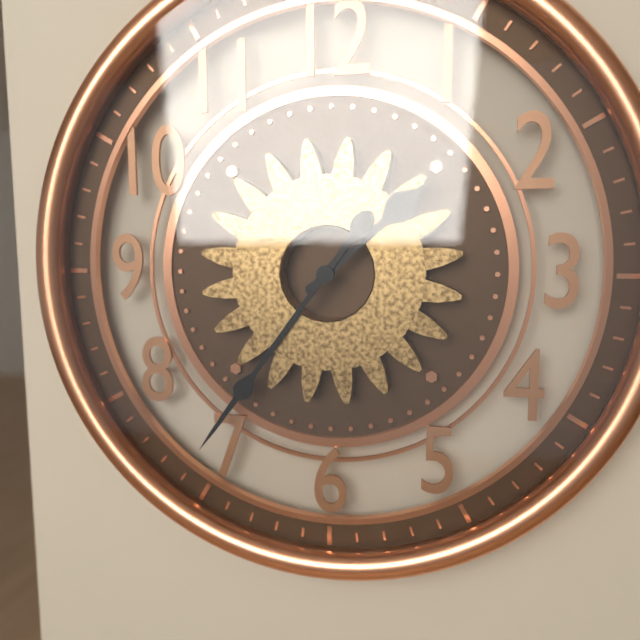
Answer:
1h36
